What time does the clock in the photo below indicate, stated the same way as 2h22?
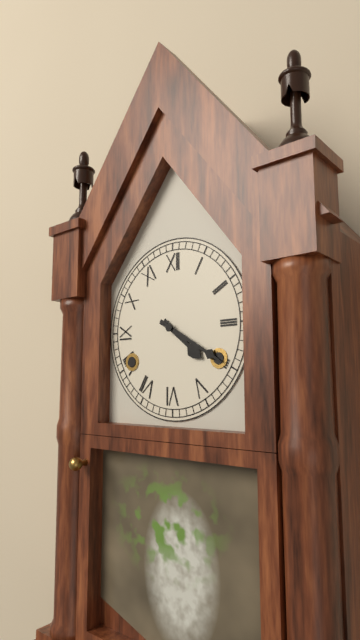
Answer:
4h20
